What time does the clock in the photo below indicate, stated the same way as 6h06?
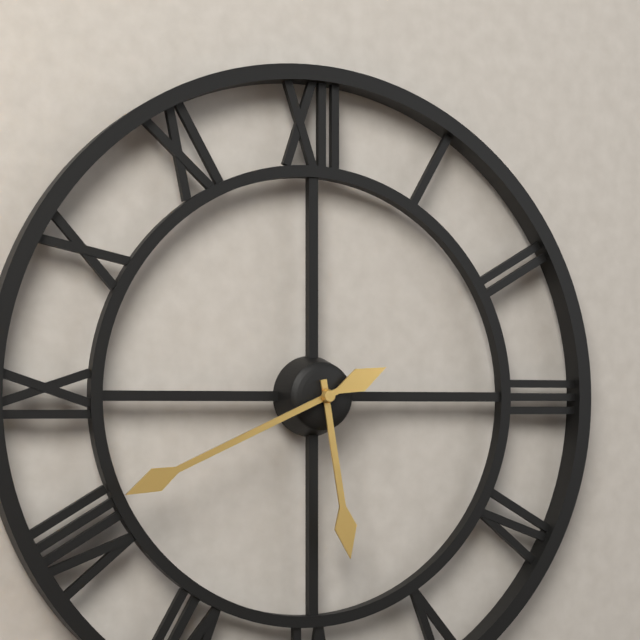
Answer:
5h41
